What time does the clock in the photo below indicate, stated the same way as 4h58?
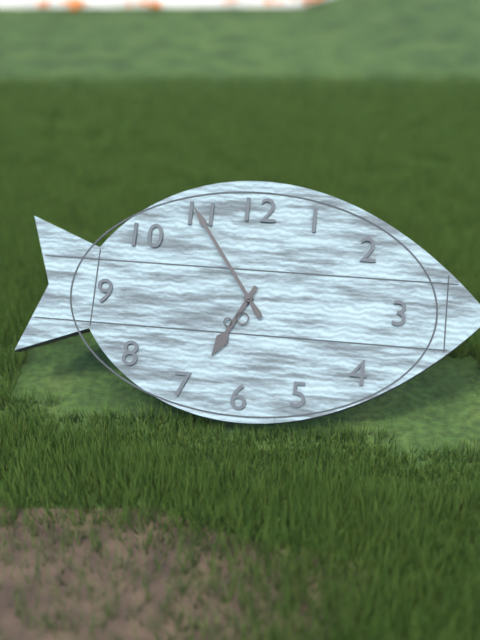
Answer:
6h54
